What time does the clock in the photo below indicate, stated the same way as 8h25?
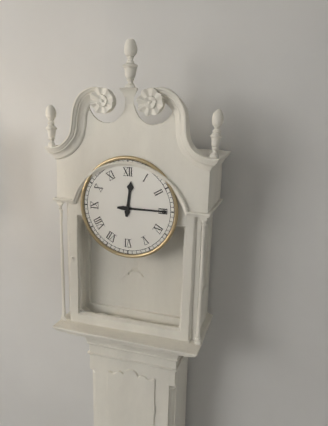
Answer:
12h15
